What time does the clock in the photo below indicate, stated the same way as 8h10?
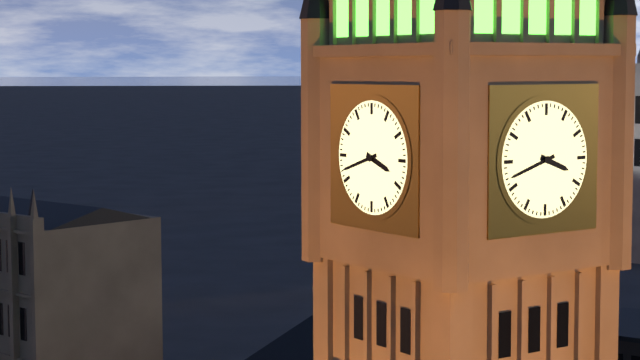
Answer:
3h42
